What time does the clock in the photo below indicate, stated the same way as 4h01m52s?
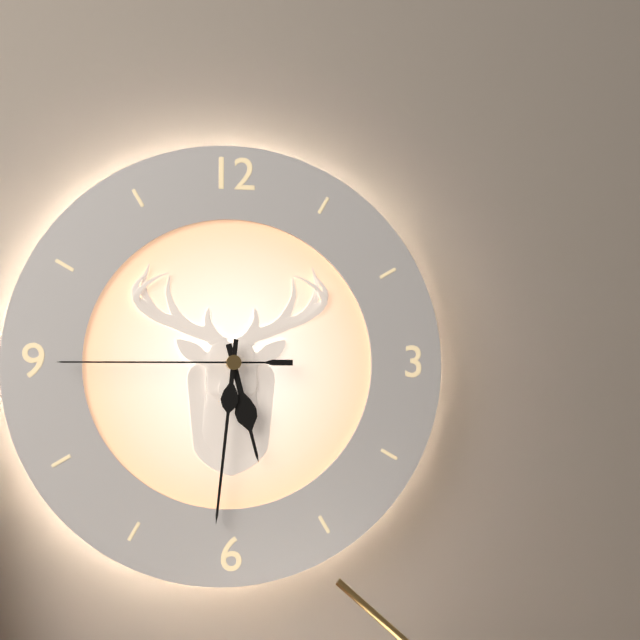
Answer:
5h31m45s
